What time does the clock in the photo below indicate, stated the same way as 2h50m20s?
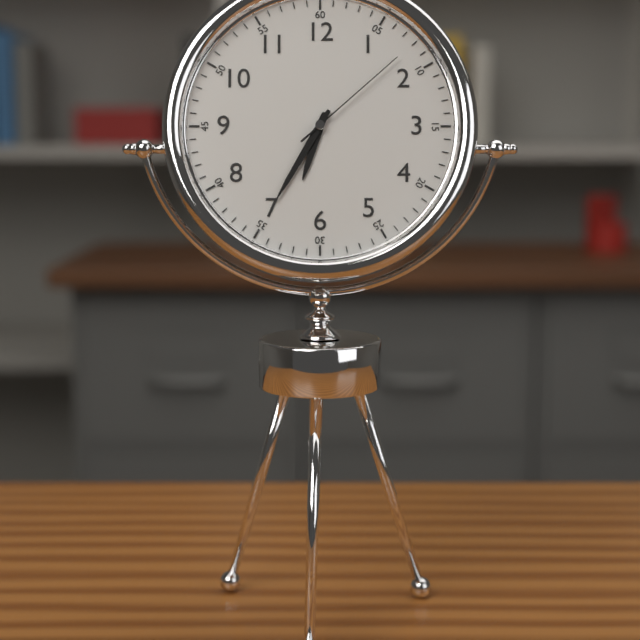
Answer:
6h35m08s
